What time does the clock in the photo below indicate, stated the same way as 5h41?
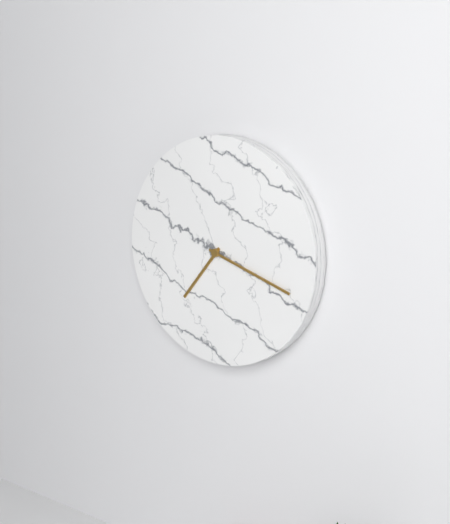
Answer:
7h18
